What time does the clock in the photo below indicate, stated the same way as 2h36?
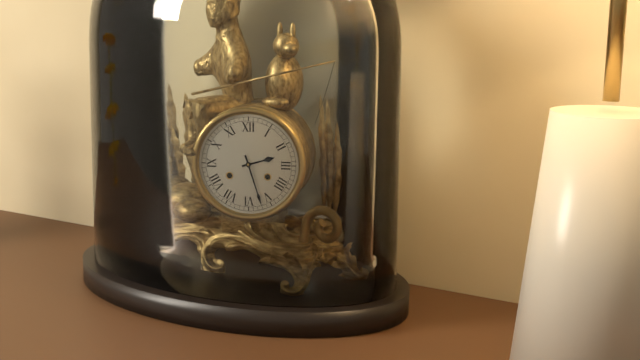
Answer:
2h27
